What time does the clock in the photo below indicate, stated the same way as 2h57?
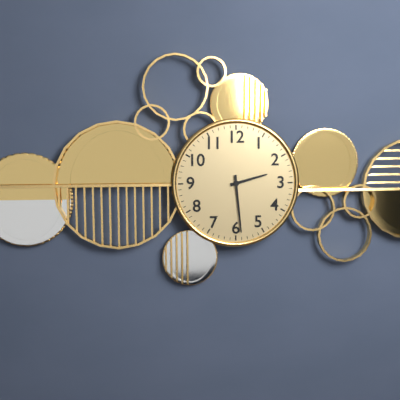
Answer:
2h29
